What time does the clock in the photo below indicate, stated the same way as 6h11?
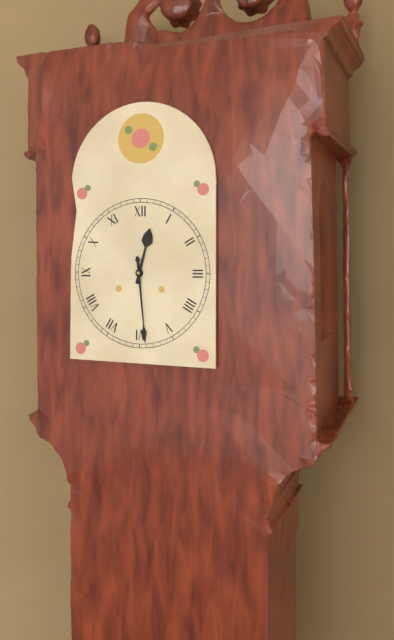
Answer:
12h29
